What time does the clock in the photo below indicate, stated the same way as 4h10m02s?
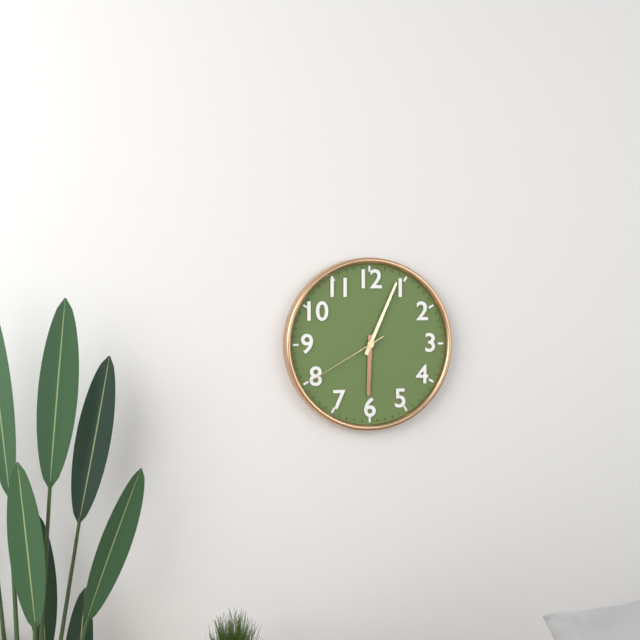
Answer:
6h04m40s
